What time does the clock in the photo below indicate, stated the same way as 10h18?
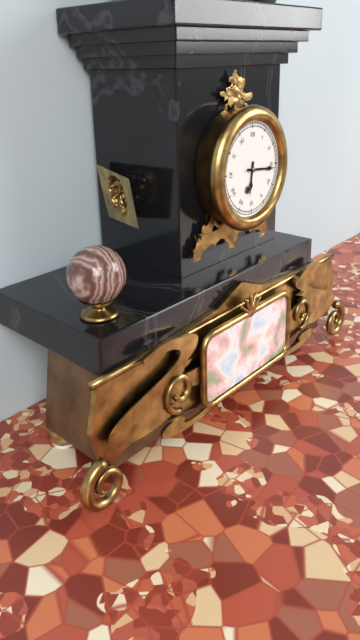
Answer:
6h16
